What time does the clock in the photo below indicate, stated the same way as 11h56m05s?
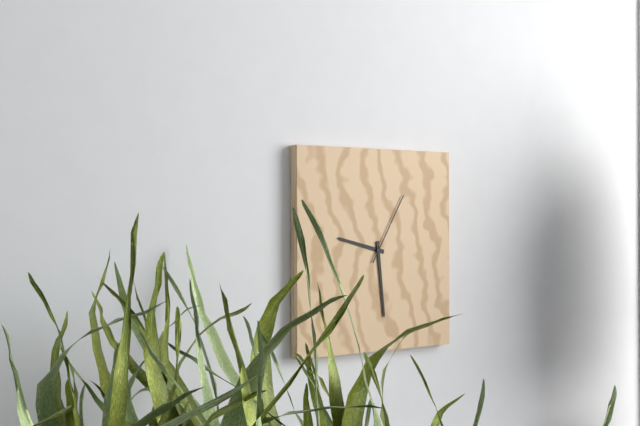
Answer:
9h29m05s
